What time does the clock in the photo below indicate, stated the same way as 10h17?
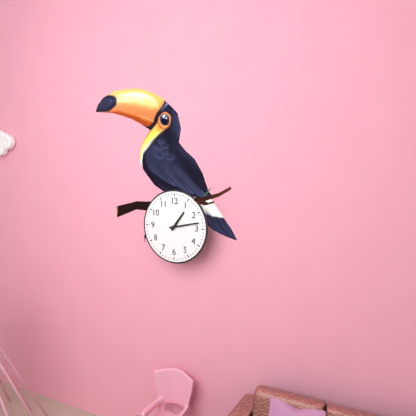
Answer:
1h13
